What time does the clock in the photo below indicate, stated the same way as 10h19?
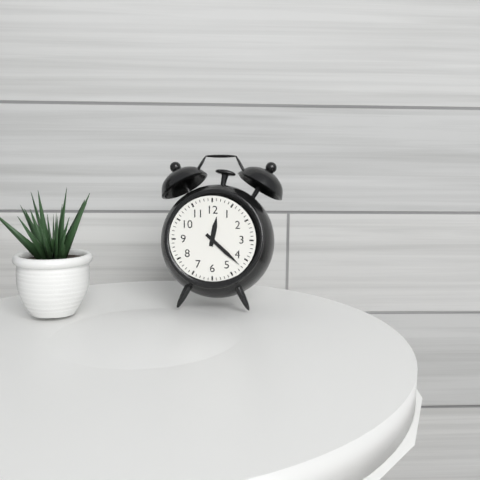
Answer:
12h22
